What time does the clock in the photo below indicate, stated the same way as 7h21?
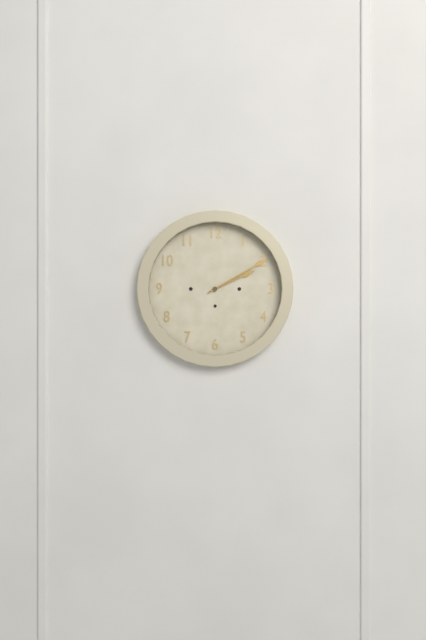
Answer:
2h10
